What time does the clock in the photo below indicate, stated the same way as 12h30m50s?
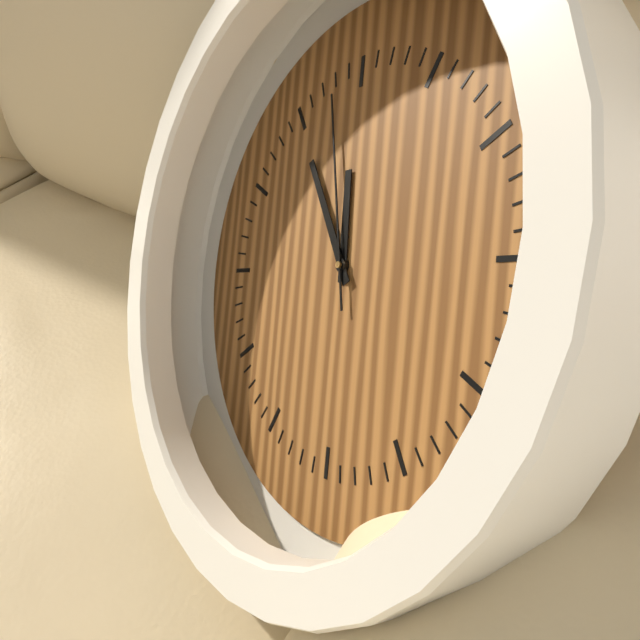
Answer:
11h55m58s
